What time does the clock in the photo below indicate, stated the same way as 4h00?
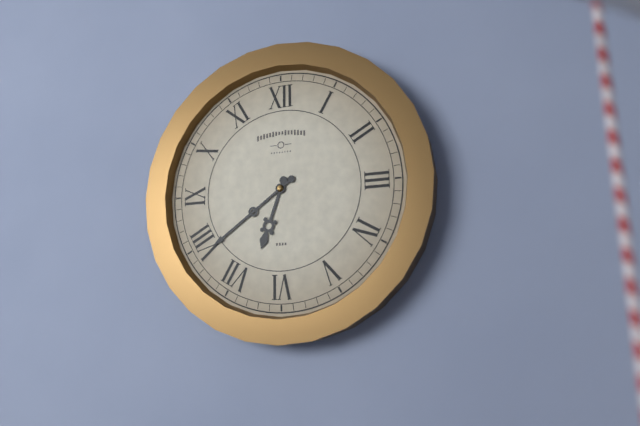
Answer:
6h39
